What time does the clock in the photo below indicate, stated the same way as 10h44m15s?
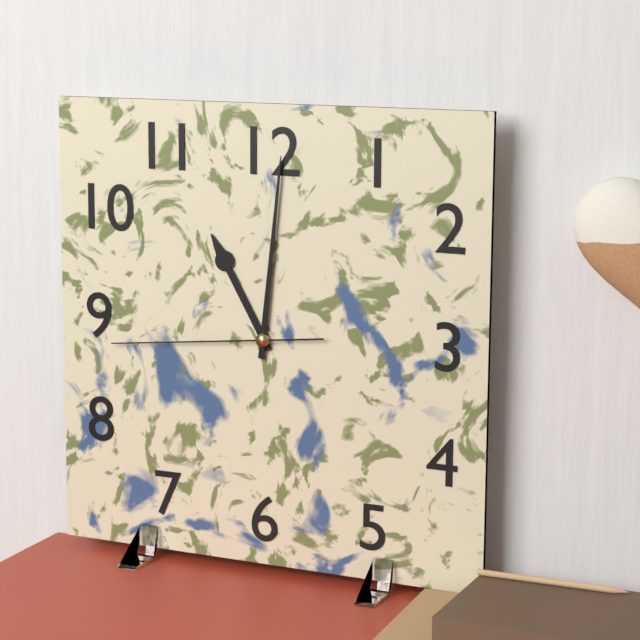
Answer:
11h01m44s
